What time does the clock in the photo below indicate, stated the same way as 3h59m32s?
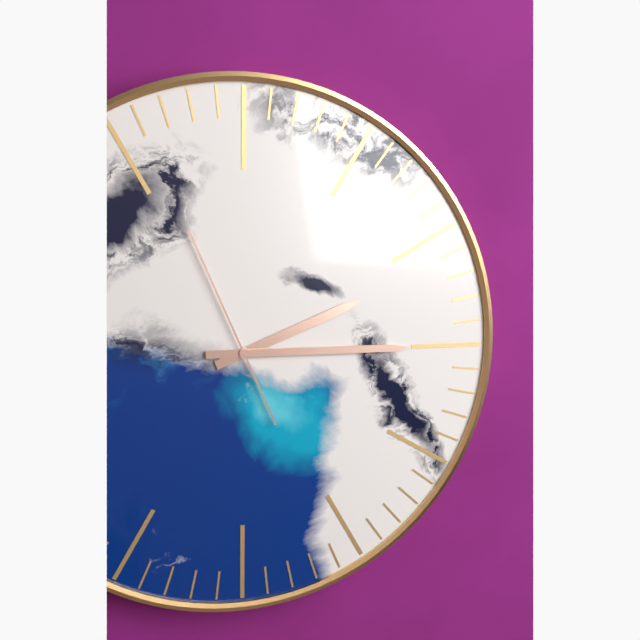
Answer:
2h15m56s
